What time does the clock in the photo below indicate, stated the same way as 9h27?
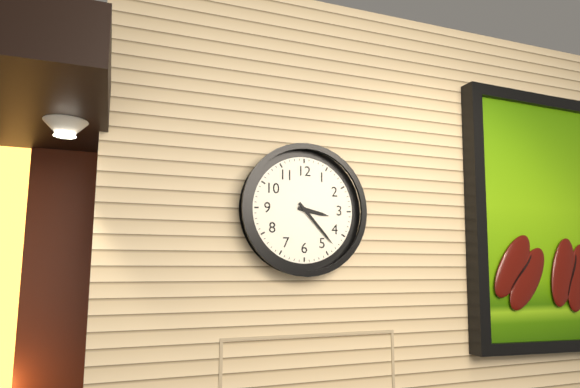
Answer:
3h23
